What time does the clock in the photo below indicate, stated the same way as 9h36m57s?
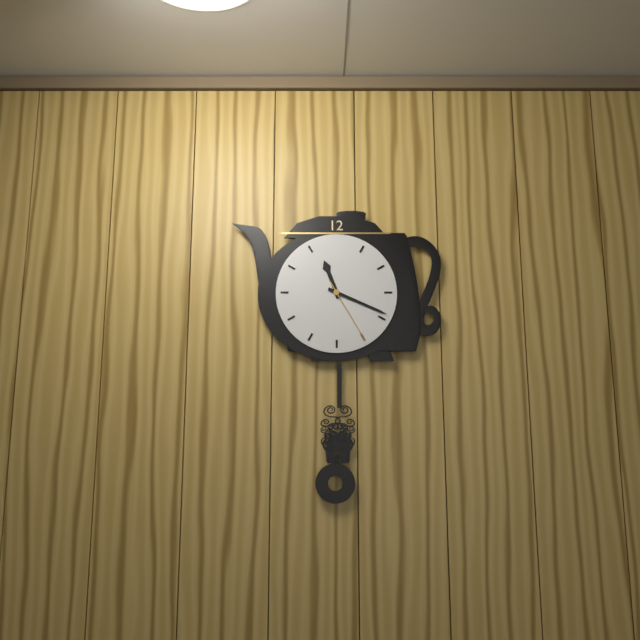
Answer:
11h19m25s
